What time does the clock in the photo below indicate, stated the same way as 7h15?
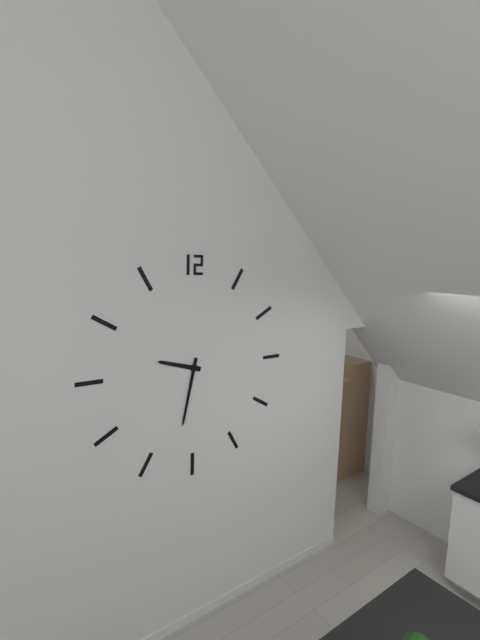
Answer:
9h32
